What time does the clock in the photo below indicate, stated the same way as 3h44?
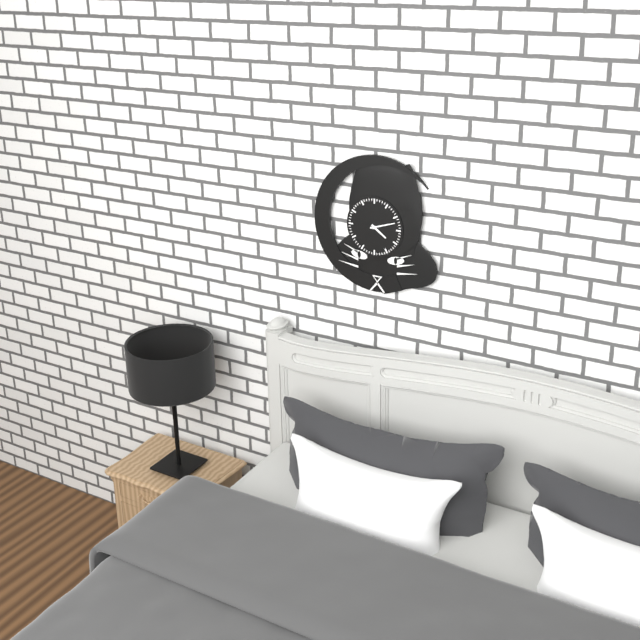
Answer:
4h12
